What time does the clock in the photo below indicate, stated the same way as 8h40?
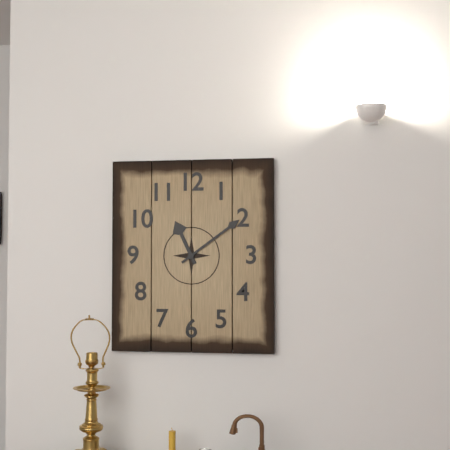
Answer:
11h09
